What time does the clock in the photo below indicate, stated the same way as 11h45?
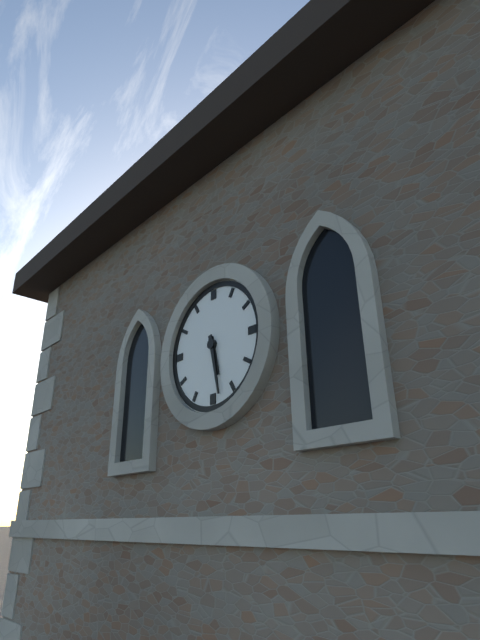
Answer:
5h28
